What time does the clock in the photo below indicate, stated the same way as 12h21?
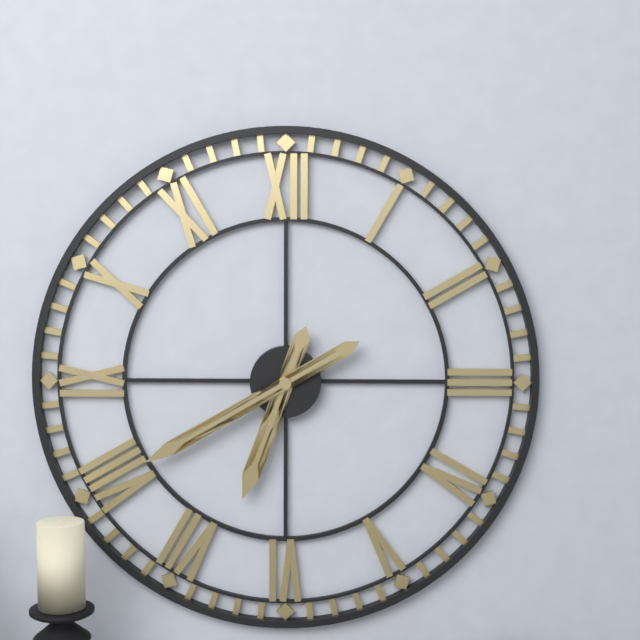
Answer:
6h40
